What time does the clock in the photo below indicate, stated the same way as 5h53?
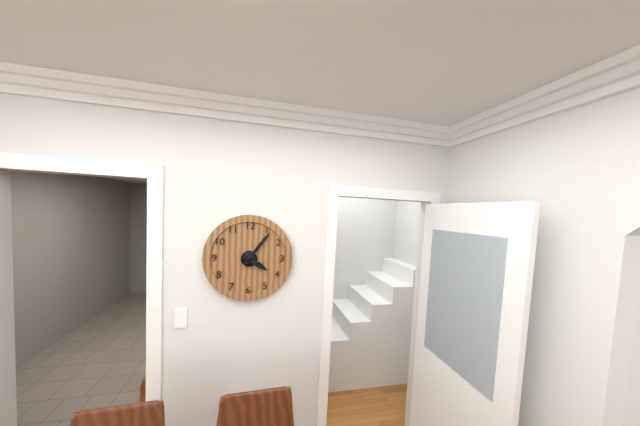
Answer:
4h06
